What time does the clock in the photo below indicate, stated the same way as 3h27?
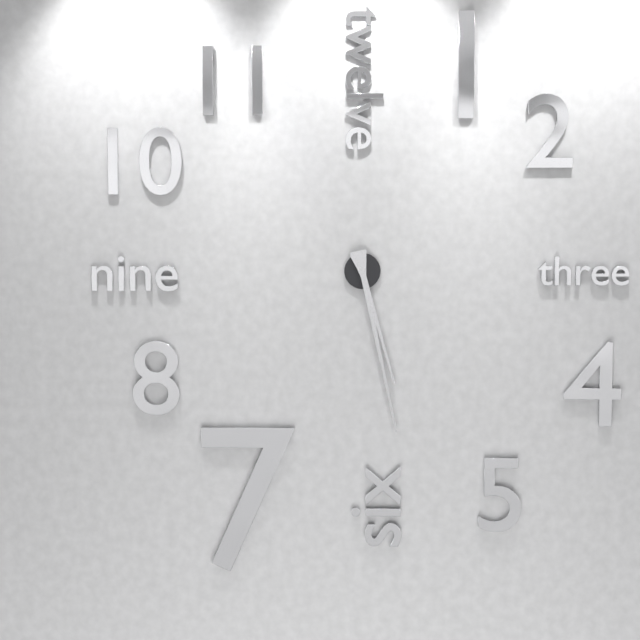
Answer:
5h28
